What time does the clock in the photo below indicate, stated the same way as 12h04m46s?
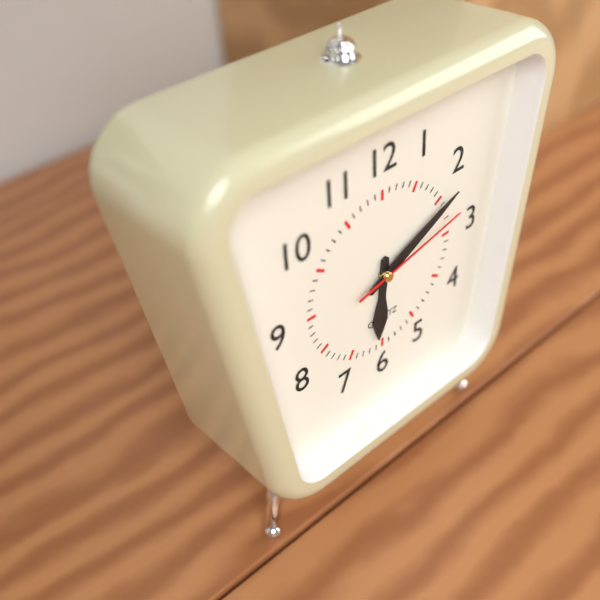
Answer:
6h11m13s
